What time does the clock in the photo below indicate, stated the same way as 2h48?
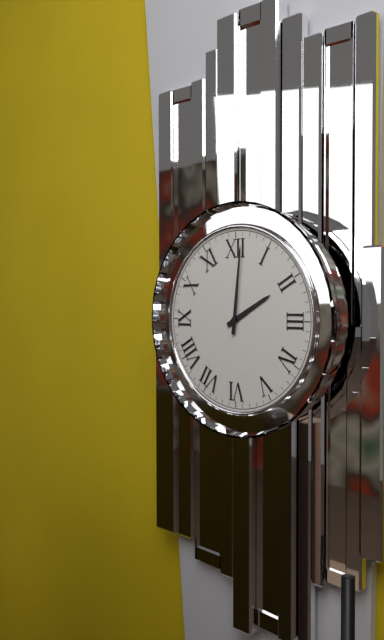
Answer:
2h01
